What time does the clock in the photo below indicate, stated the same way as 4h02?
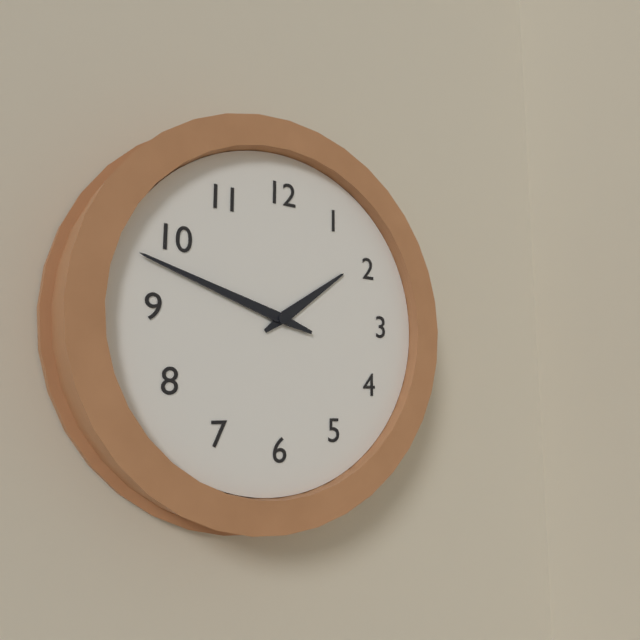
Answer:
1h48
